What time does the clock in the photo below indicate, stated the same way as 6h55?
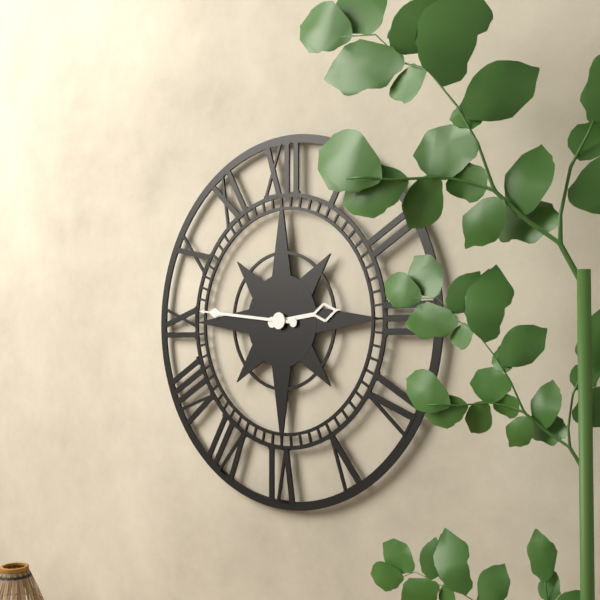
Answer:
2h46
